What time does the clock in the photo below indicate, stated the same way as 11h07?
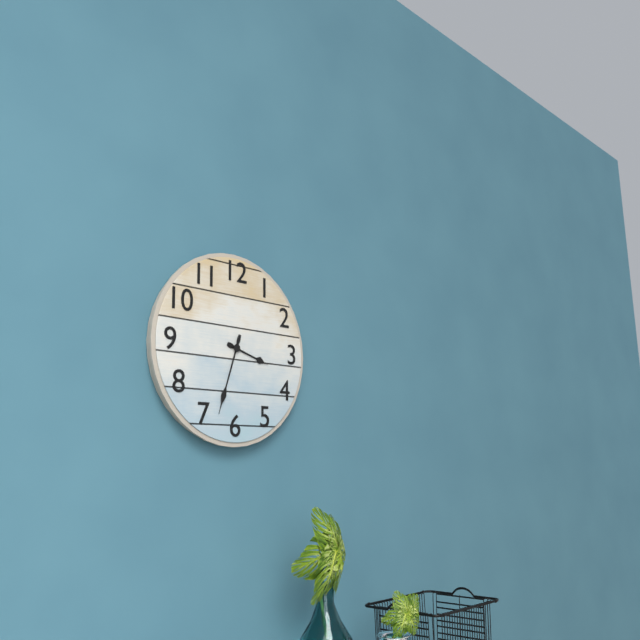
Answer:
3h33
